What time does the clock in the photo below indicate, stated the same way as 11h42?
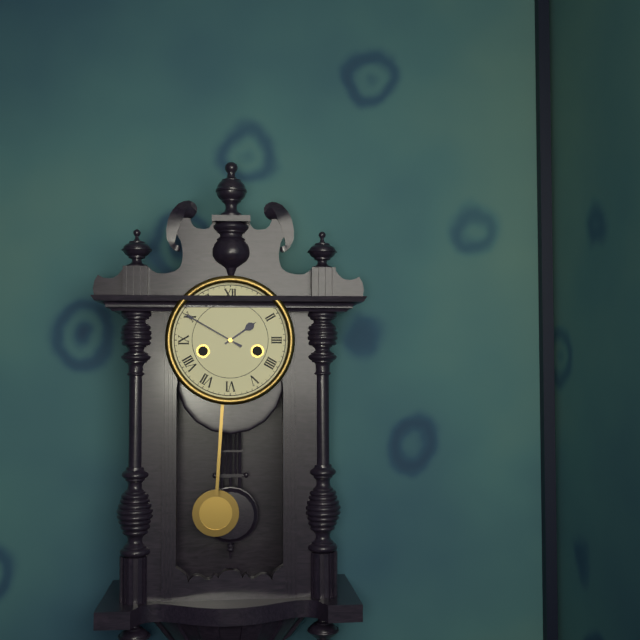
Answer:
1h50
